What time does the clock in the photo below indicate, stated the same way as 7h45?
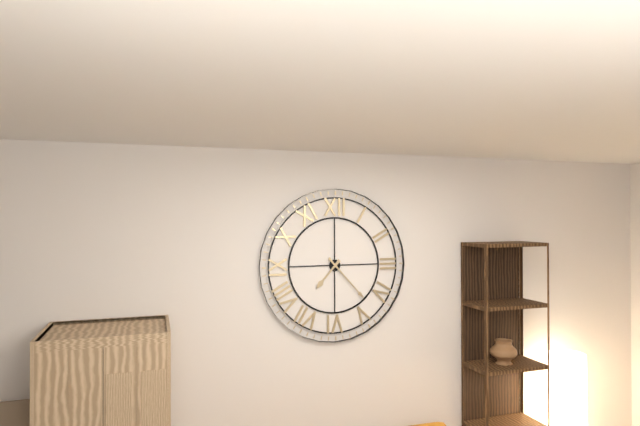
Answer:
7h23
